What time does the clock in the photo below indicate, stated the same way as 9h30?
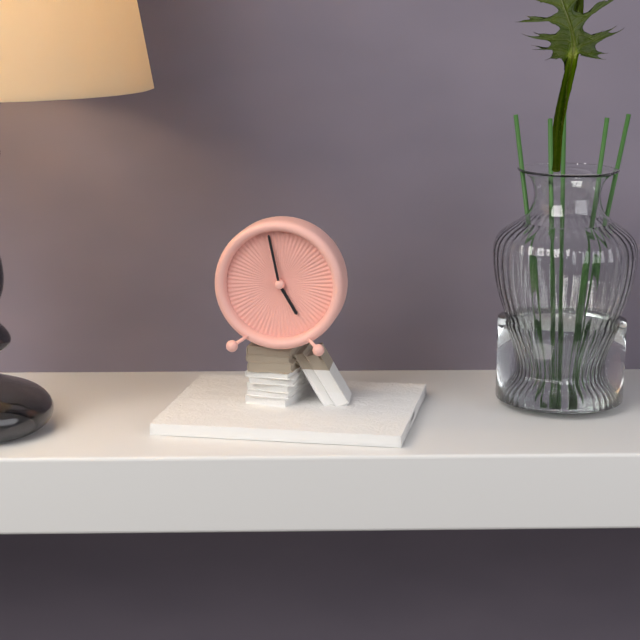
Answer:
4h58
